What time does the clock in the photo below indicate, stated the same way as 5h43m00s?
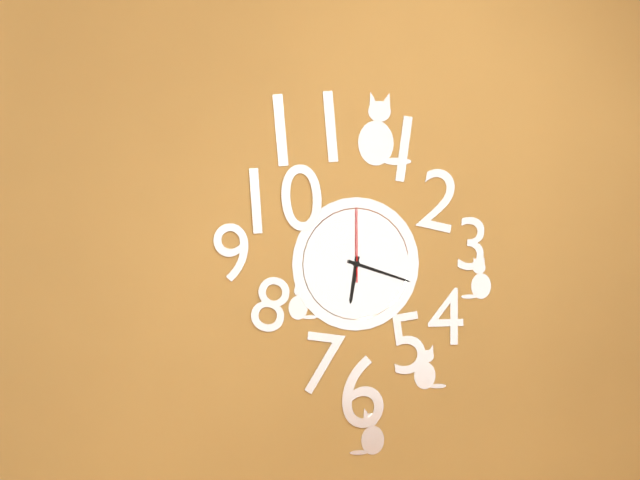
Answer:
6h18m00s
